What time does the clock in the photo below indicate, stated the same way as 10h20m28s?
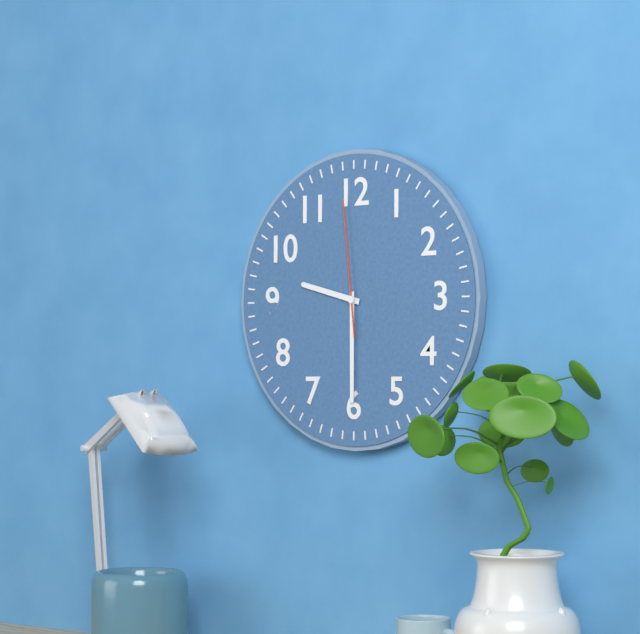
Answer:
9h30m59s
